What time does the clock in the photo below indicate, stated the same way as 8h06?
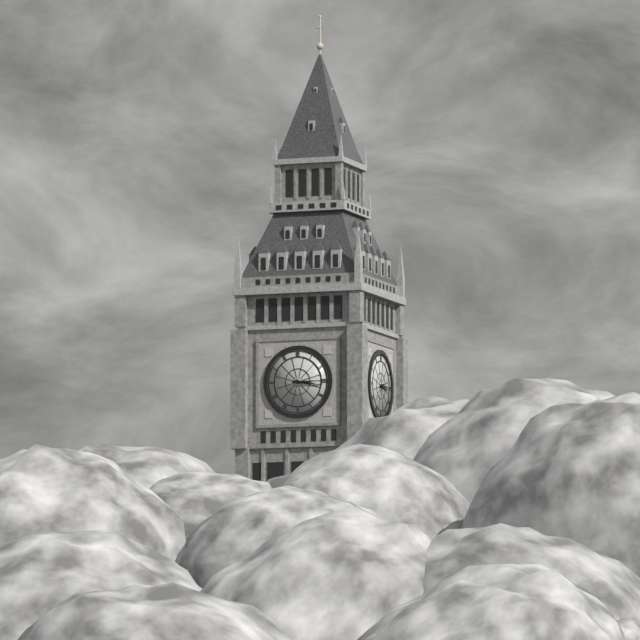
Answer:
3h15
